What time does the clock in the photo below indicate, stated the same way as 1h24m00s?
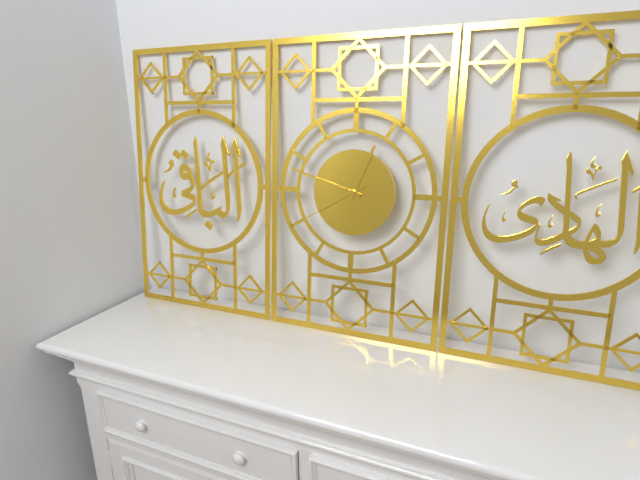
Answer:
12h48m40s
